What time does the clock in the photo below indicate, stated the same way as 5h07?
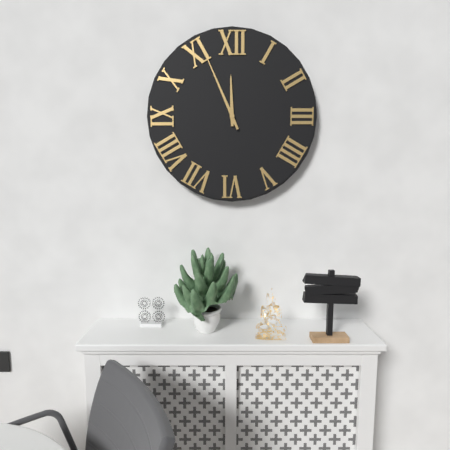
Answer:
11h56
